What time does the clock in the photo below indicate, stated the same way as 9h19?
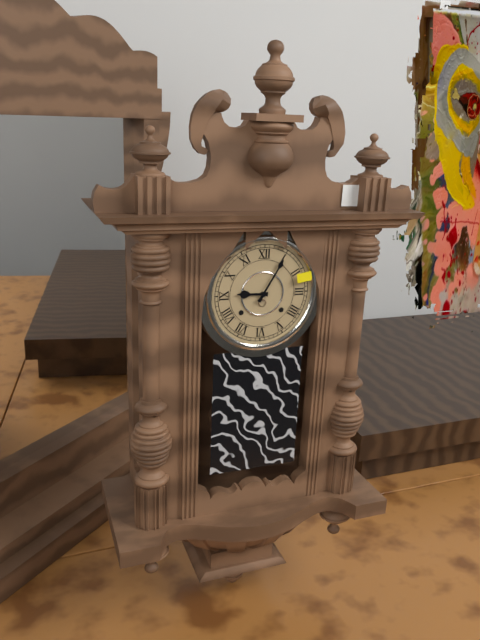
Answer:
9h05
